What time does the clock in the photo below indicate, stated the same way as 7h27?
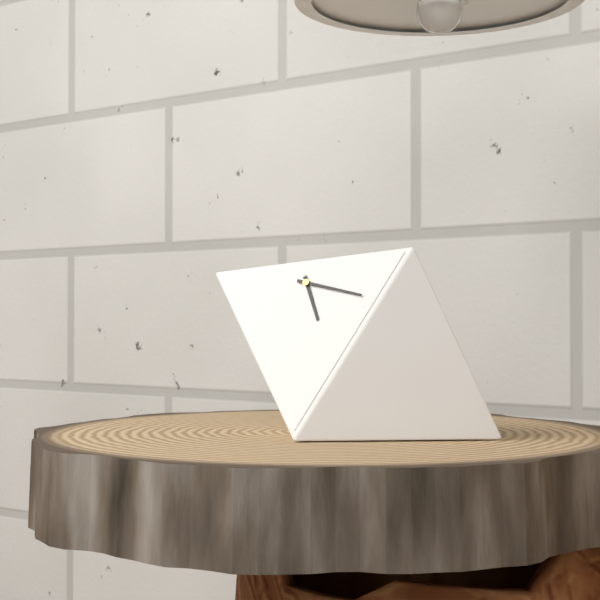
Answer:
5h18
